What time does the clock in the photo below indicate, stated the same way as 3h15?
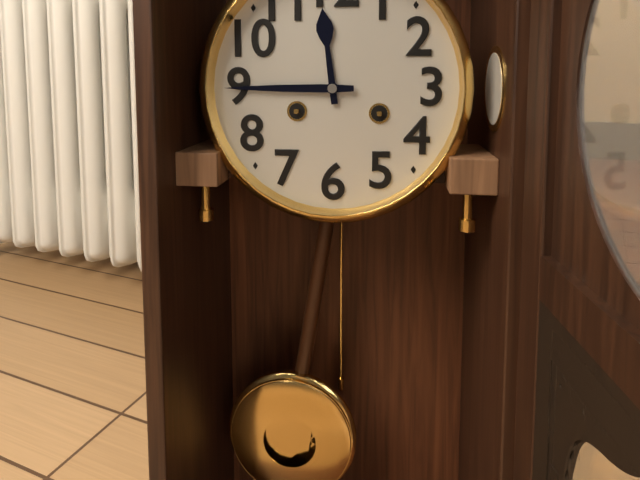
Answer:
11h45
